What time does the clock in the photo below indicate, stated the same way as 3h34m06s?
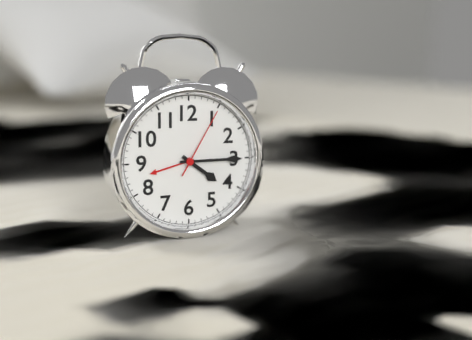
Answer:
4h15m05s
